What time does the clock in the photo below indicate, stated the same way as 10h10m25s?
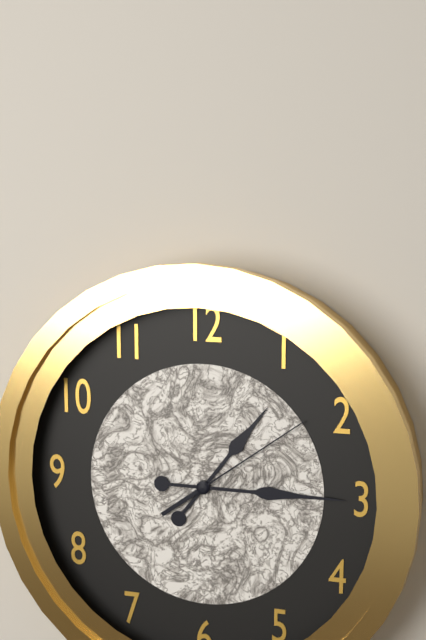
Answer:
1h15m09s
